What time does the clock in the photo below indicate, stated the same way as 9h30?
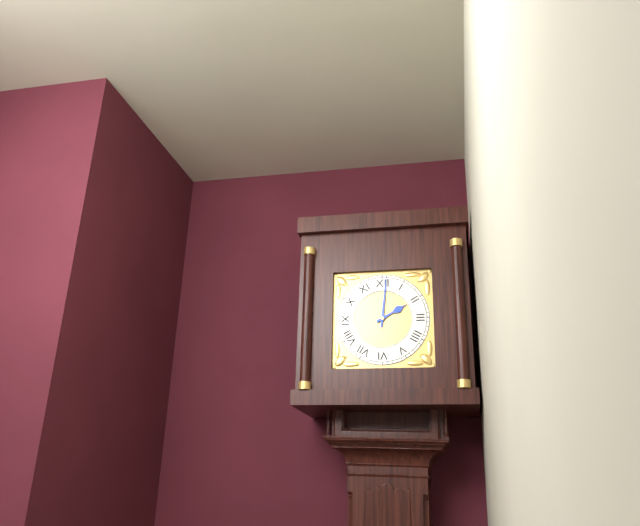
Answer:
2h01
